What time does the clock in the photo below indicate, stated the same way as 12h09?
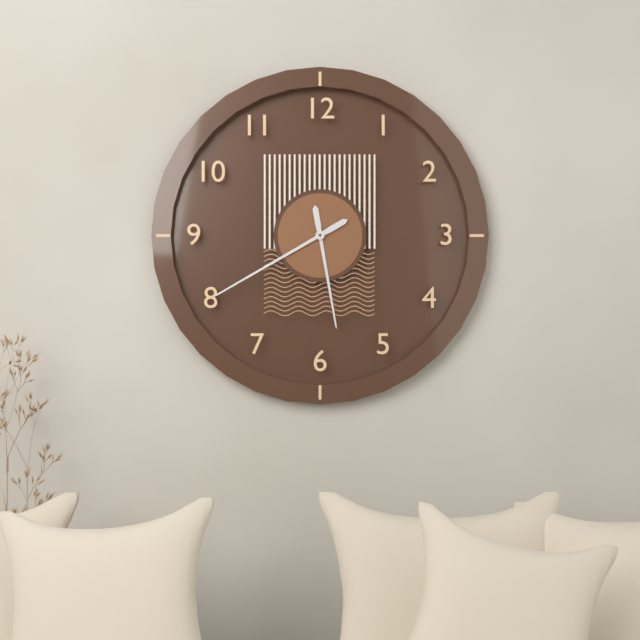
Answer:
5h40
